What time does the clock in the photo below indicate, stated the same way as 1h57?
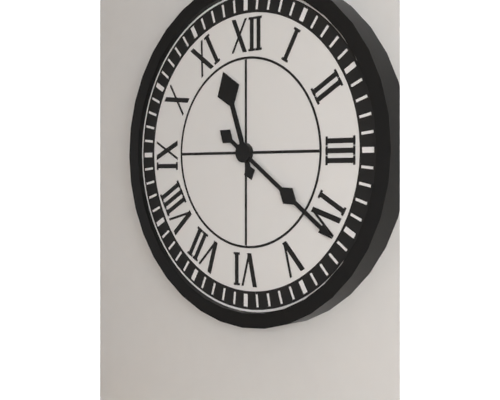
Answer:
11h21
